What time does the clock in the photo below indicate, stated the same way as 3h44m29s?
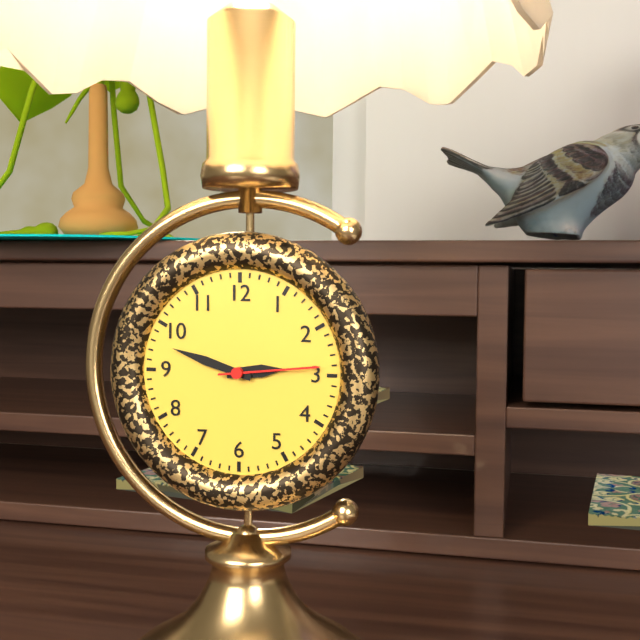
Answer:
2h48m14s
